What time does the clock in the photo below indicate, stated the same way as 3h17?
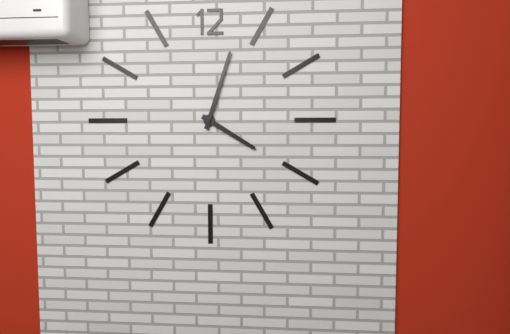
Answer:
4h03
